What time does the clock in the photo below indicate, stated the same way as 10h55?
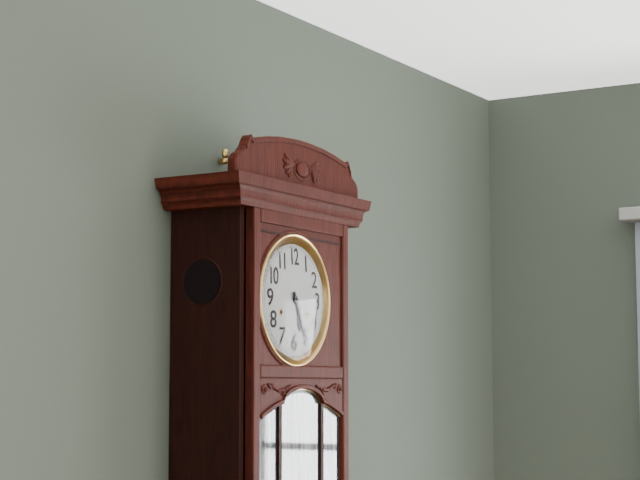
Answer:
5h26
